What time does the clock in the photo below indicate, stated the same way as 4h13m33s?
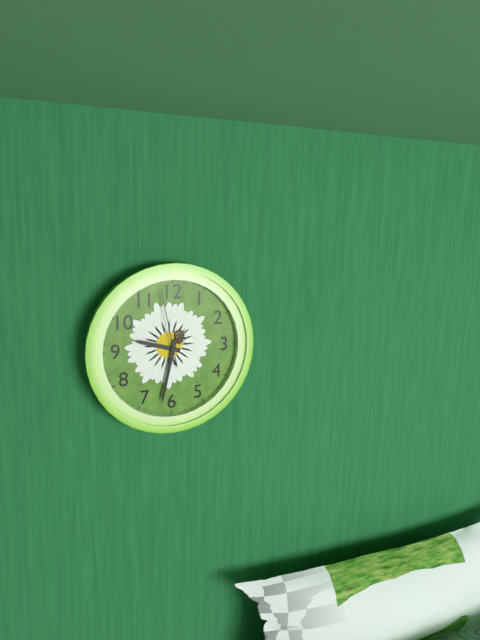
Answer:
9h32m58s
